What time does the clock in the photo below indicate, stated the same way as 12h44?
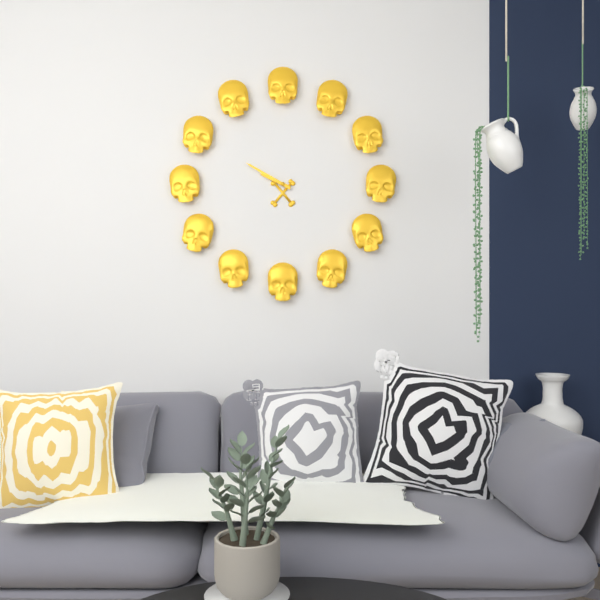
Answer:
9h50
